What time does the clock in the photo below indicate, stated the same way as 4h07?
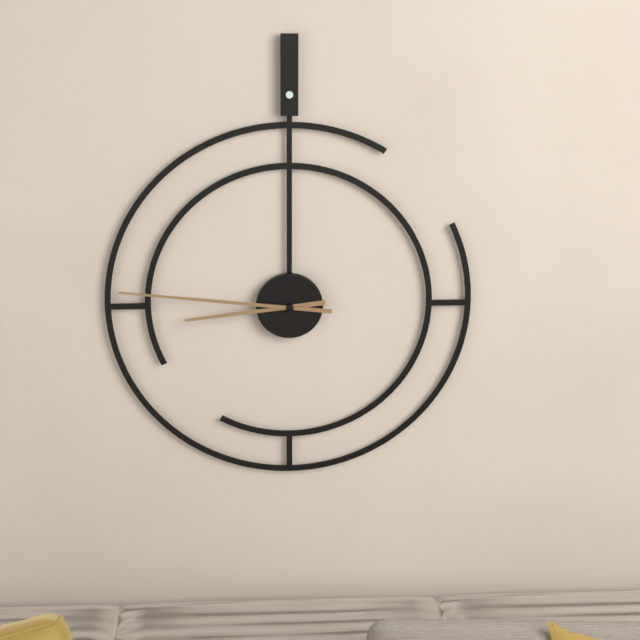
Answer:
8h46
